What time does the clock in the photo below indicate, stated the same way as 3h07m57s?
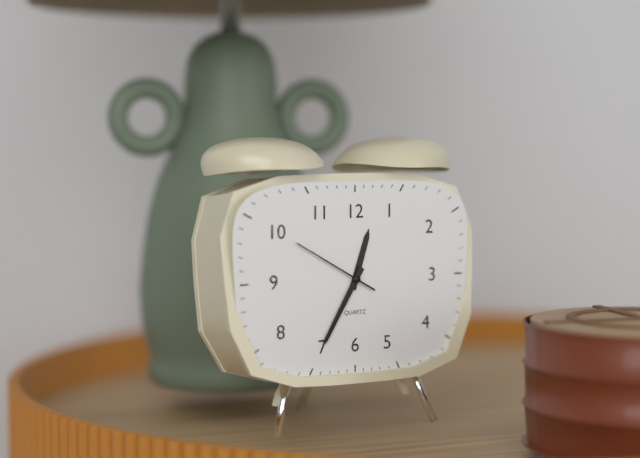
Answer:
12h35m50s
